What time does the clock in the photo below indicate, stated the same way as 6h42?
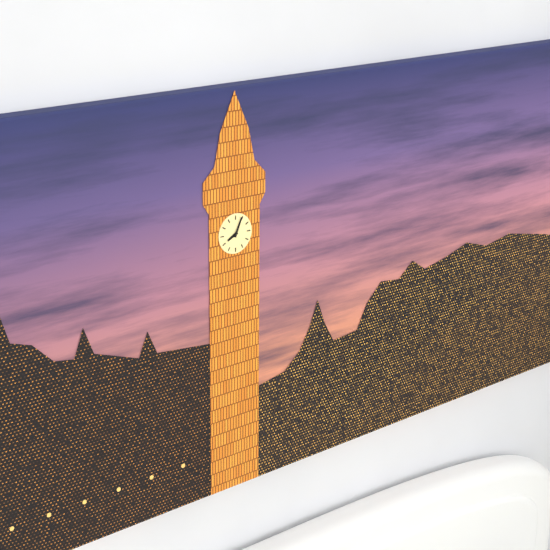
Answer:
8h04
